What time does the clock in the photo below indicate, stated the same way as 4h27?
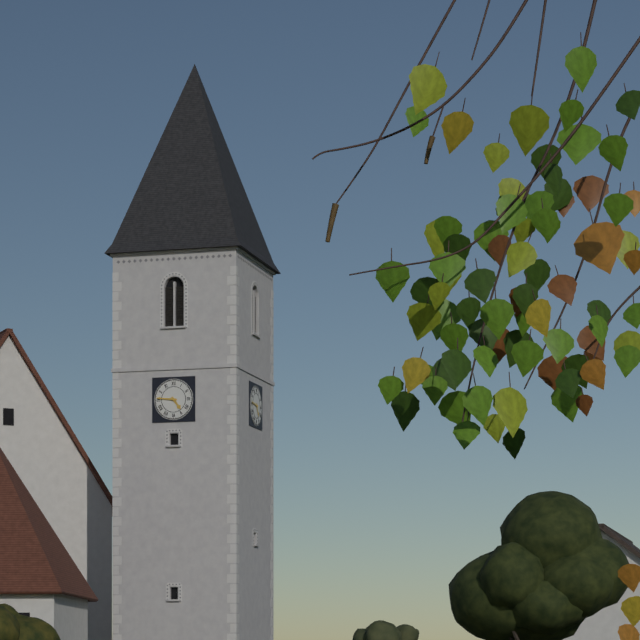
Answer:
4h46
